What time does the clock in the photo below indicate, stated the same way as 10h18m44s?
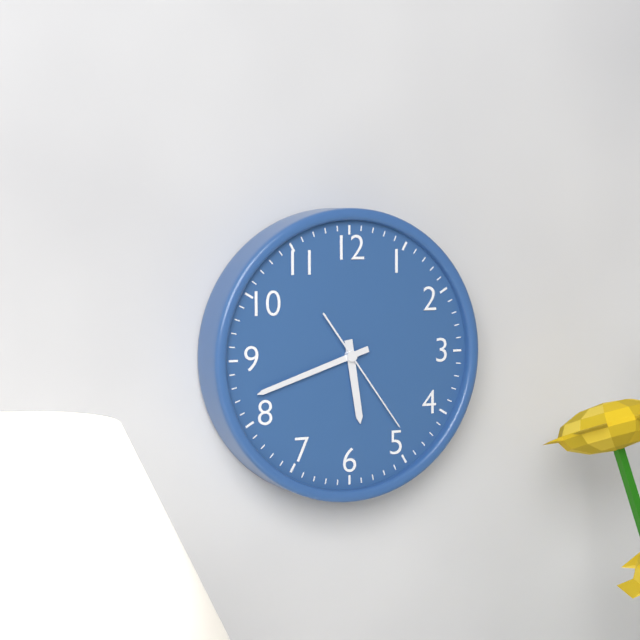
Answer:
5h42m24s
